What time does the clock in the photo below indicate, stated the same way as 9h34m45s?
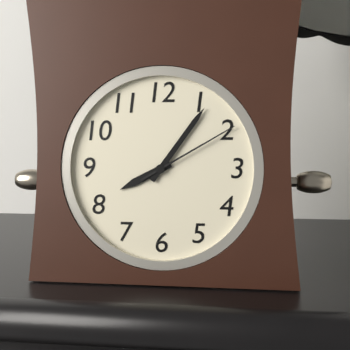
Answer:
8h06m10s
